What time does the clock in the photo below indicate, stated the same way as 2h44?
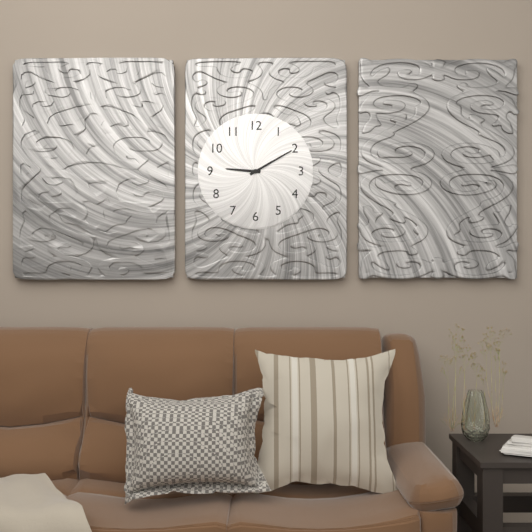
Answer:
9h10
